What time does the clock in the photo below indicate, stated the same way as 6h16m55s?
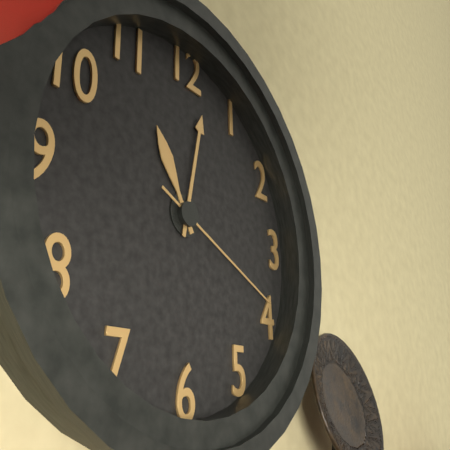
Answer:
11h02m19s
